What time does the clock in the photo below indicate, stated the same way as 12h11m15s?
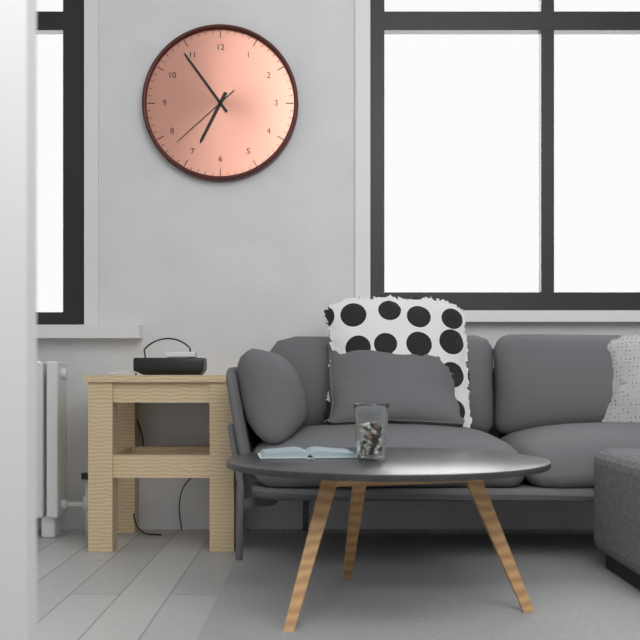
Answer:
6h54m38s
